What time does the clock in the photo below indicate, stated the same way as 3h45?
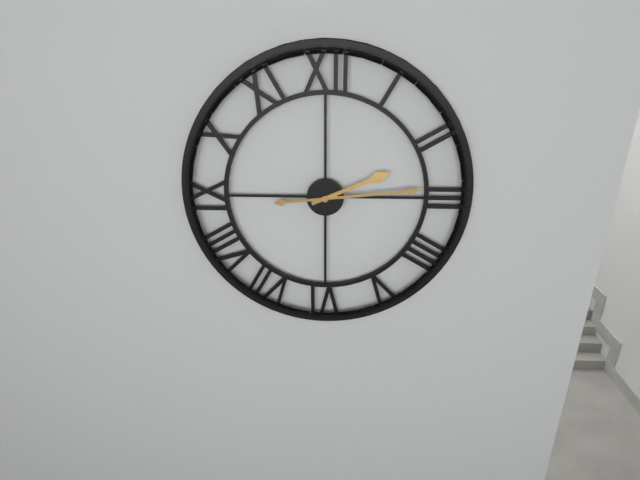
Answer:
2h14
